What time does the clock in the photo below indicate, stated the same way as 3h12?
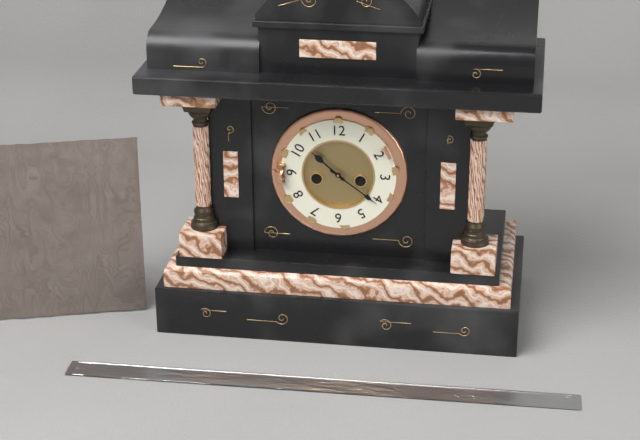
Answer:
10h21
